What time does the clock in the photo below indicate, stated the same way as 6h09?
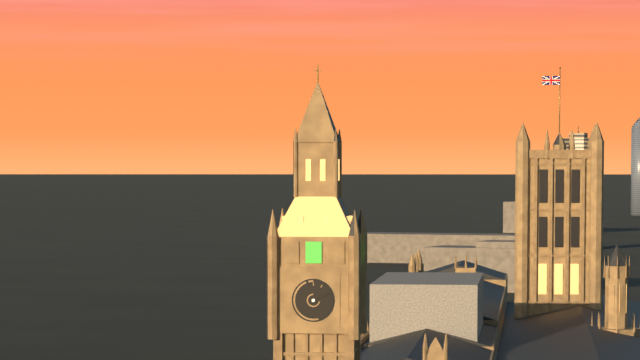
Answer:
2h11
